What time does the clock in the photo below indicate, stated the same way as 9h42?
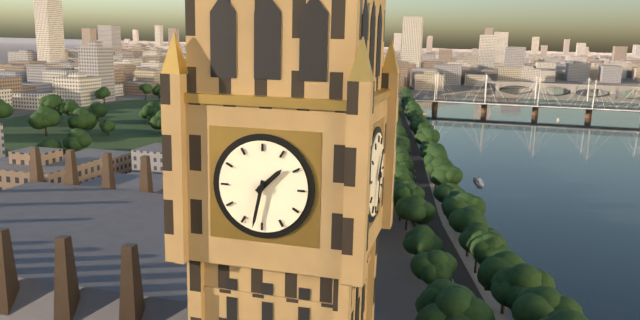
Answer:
1h32
